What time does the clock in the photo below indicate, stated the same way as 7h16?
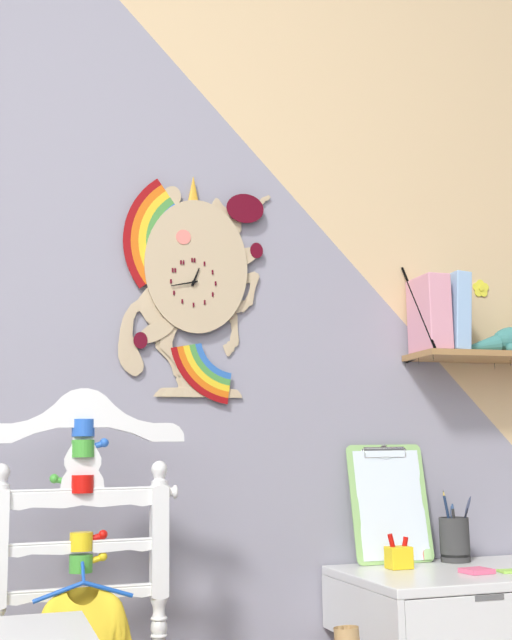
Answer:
12h43
